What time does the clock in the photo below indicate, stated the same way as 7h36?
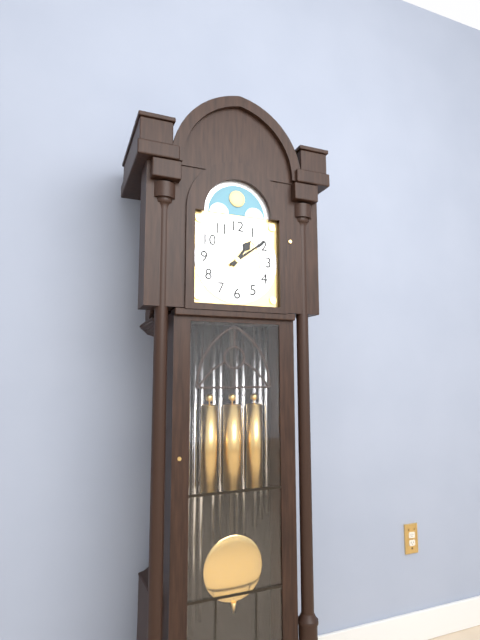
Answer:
1h09
